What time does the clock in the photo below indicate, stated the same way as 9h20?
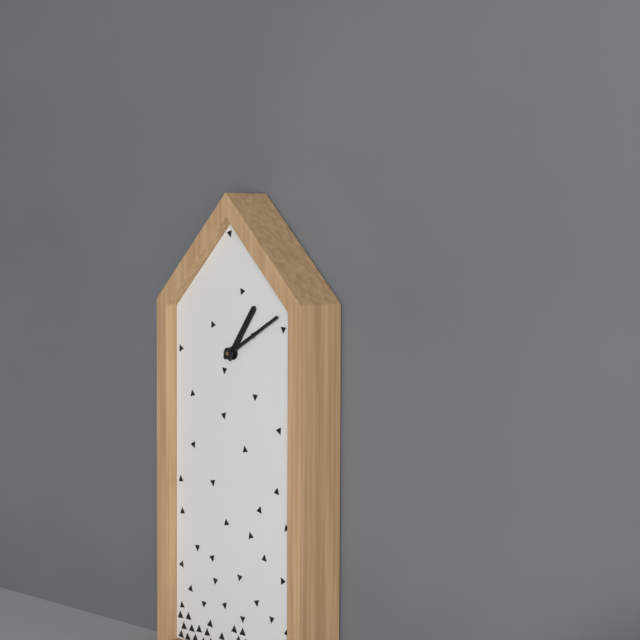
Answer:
1h10
